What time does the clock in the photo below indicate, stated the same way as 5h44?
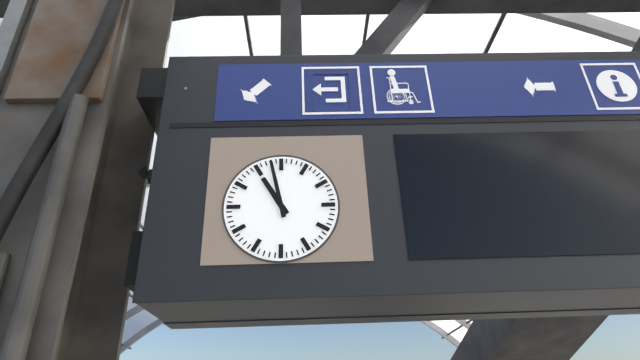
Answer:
10h58
